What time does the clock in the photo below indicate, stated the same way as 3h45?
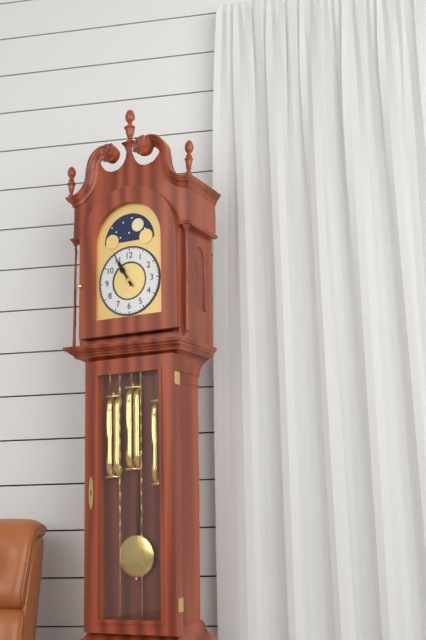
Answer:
10h55
